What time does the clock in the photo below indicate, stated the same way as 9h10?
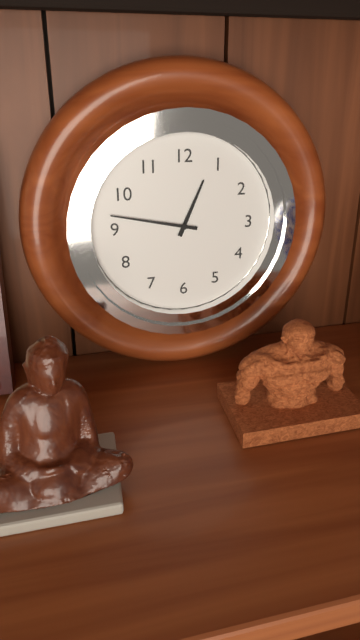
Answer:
12h47
